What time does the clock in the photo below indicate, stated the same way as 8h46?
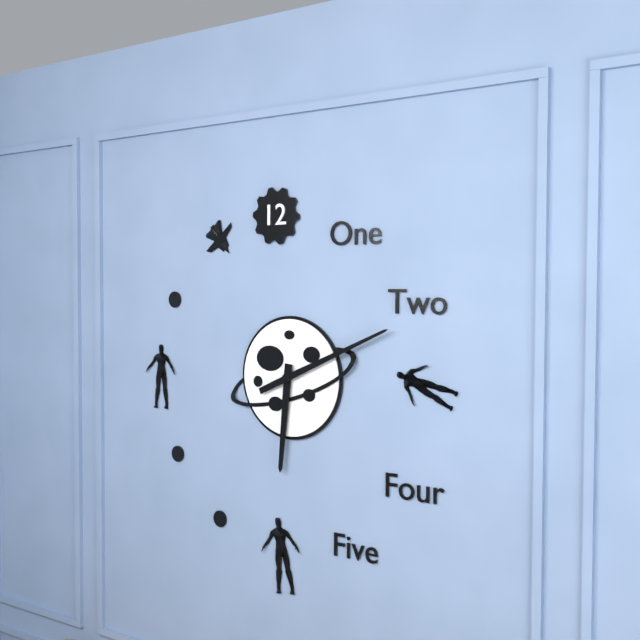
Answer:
6h11
